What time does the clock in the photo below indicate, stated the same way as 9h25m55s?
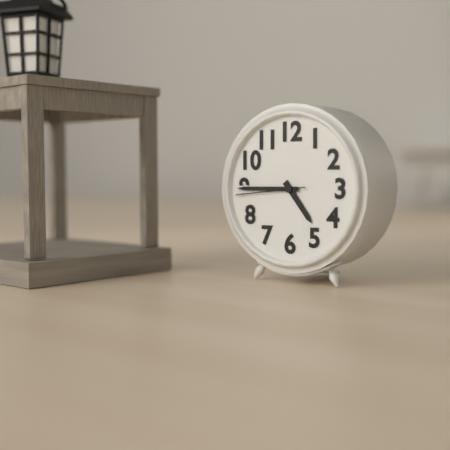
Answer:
4h45m44s
